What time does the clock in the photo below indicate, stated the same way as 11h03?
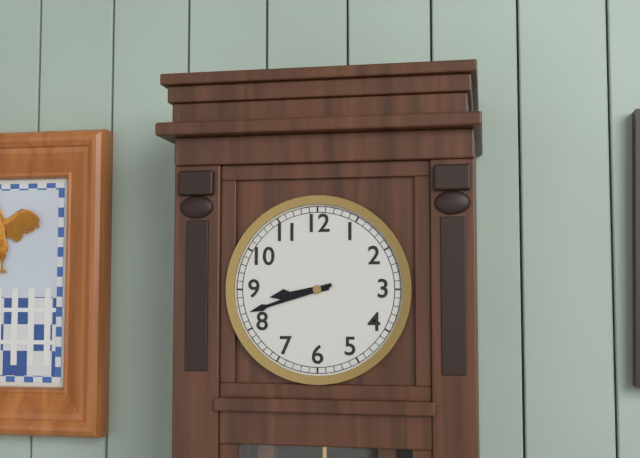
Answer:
8h42
